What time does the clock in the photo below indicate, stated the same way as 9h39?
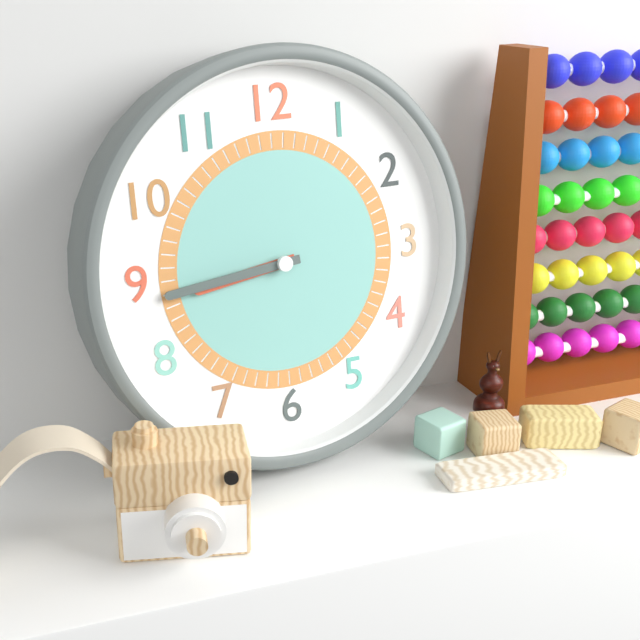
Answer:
8h44
